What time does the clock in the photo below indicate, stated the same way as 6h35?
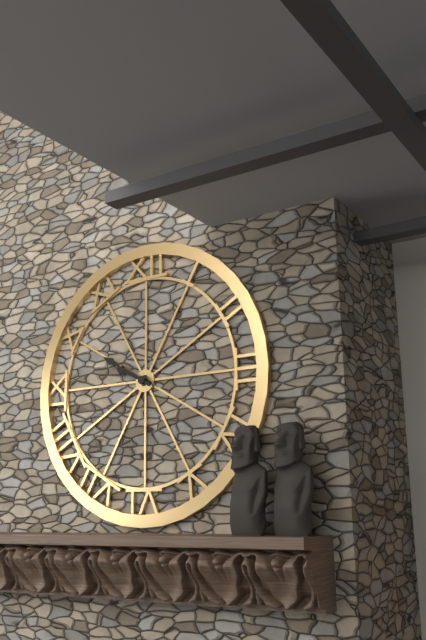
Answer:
9h50
